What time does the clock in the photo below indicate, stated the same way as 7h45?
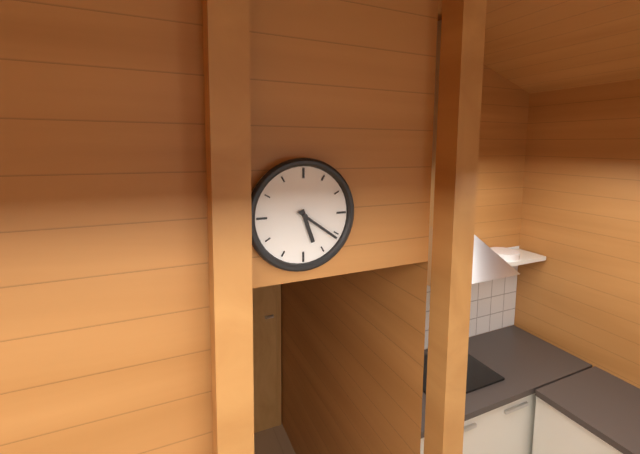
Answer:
5h21
